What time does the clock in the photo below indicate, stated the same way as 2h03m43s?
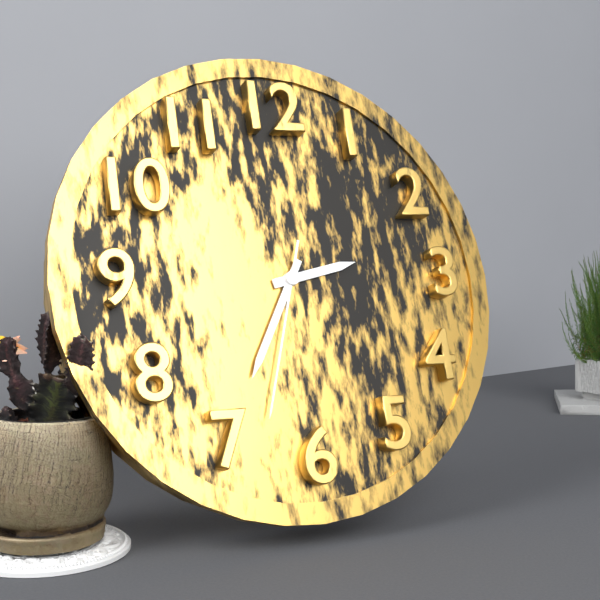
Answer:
2h35m33s
